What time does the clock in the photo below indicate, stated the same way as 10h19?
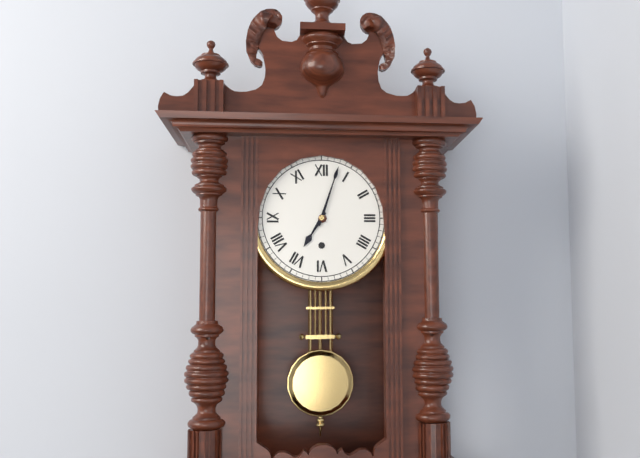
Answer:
7h03
